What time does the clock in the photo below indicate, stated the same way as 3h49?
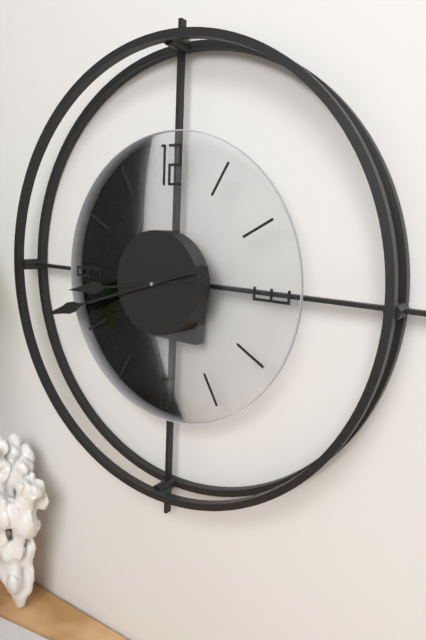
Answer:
8h42
